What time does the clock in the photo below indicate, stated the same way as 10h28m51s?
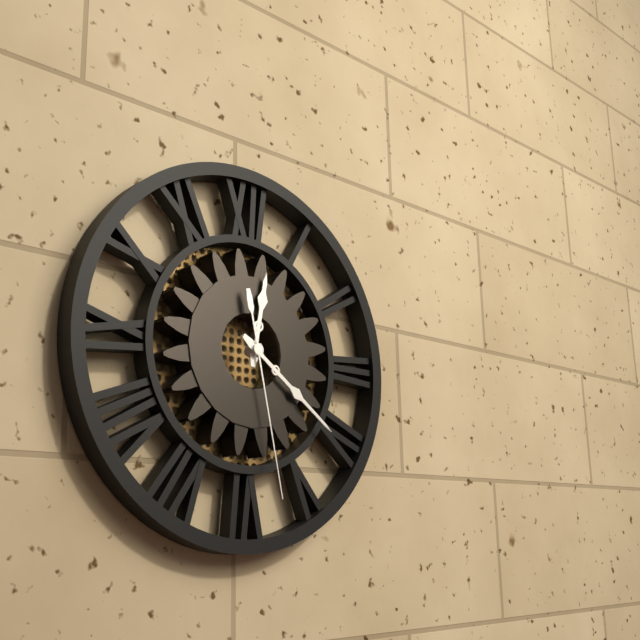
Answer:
12h21m28s
